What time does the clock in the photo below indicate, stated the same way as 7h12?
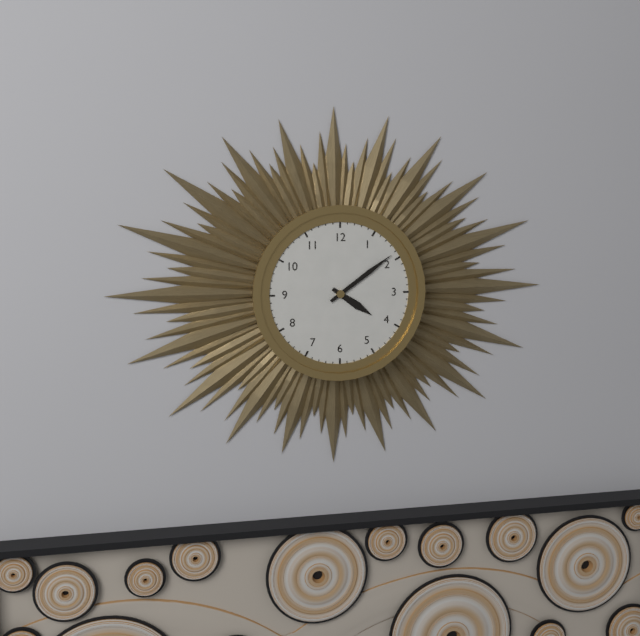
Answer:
4h09
